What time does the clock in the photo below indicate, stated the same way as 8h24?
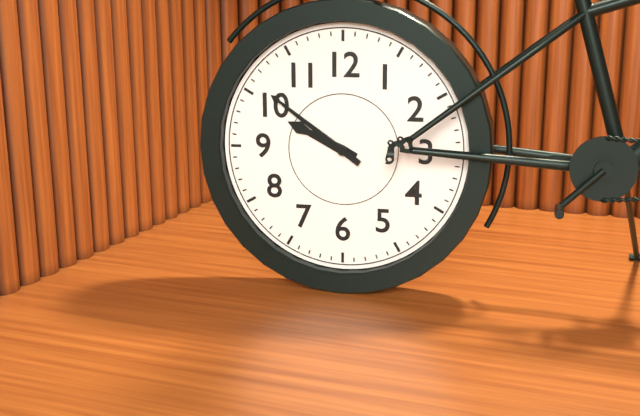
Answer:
9h51
